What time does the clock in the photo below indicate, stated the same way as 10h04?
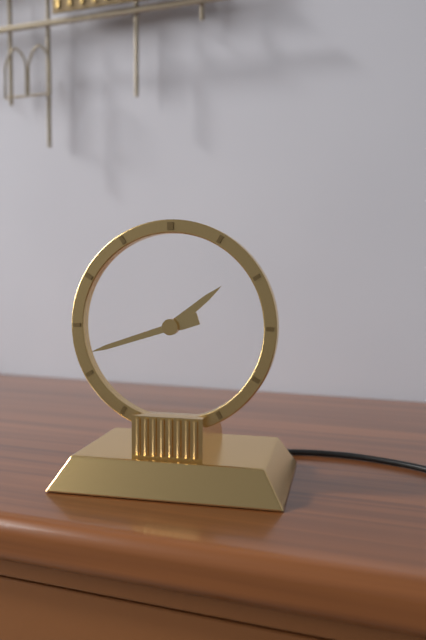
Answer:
1h42
